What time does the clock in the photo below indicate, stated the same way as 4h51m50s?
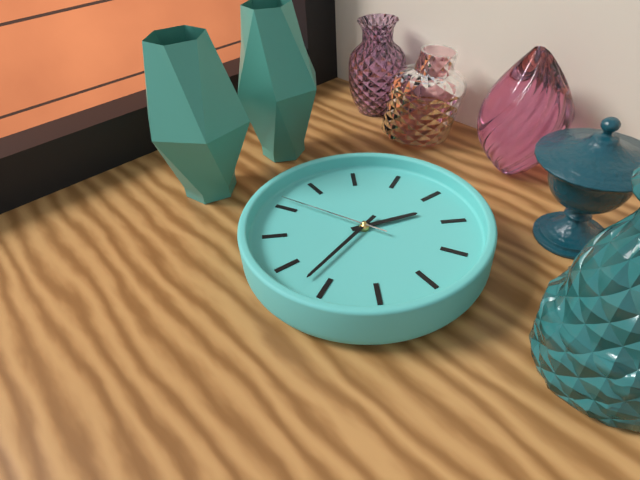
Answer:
1h32m46s
